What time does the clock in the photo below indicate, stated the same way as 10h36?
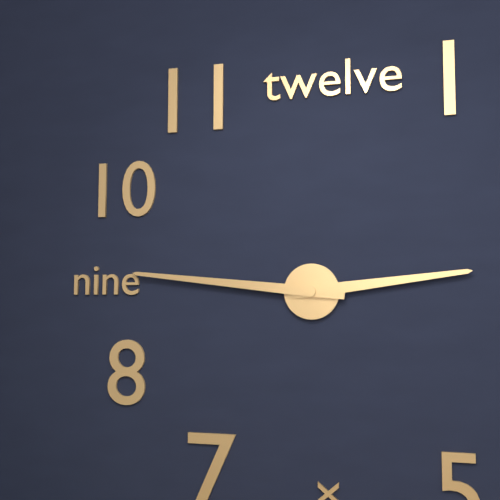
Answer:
2h46
